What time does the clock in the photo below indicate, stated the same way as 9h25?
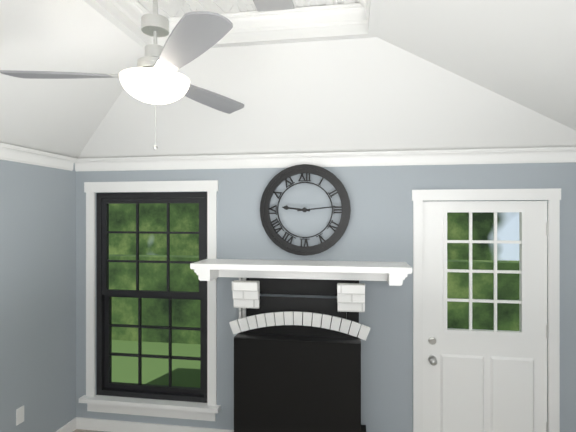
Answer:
9h14
